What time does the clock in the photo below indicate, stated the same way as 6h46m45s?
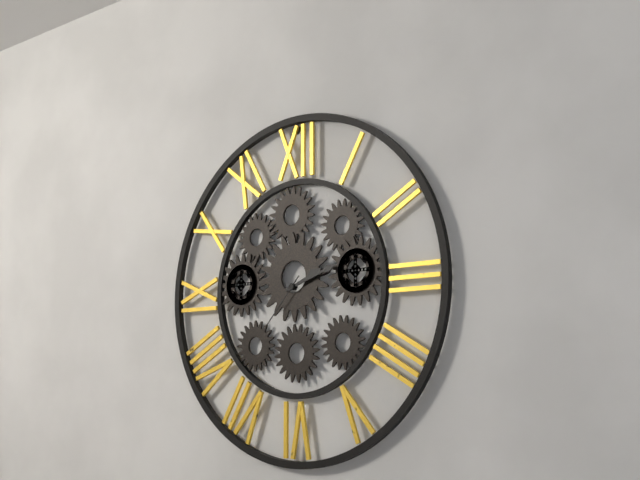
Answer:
2h12m37s
